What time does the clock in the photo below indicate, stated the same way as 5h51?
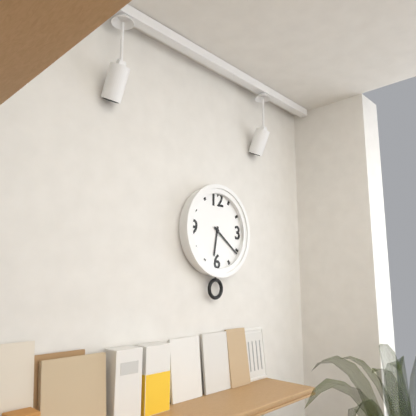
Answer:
6h21
